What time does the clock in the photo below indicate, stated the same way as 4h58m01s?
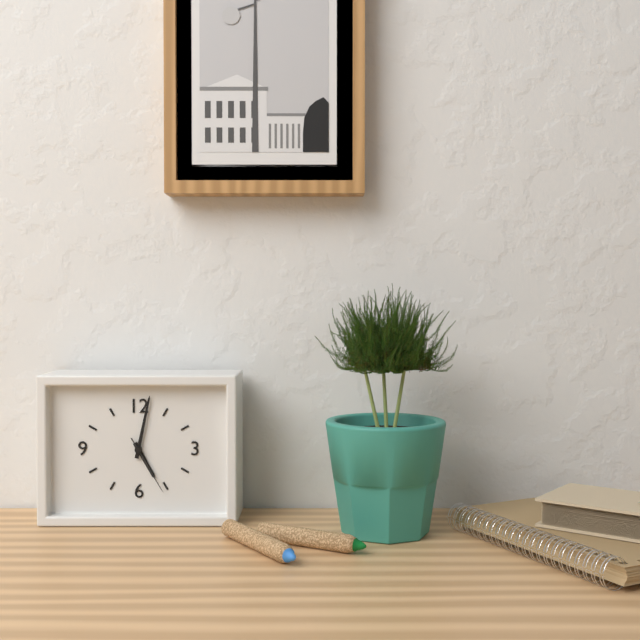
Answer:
5h02m25s
